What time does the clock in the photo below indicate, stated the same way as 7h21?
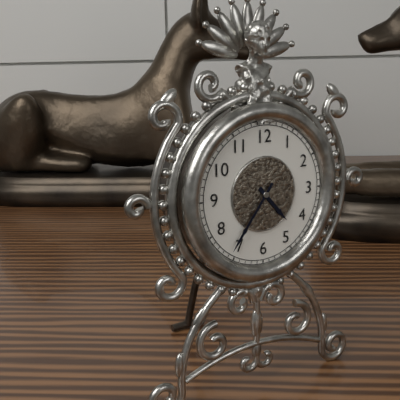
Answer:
4h36
